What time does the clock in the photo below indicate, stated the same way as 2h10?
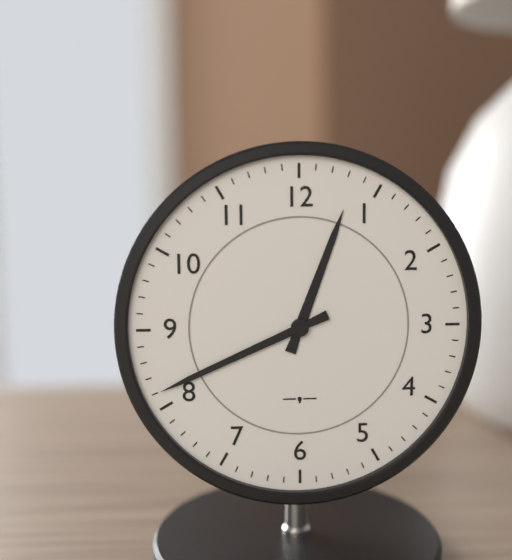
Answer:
12h41
